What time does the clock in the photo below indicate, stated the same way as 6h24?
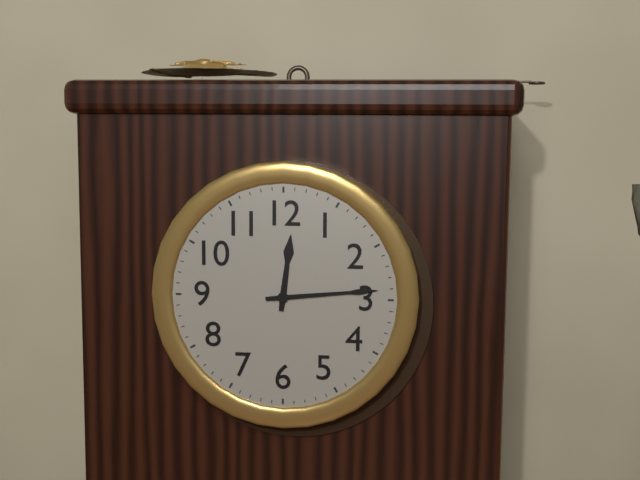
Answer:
12h14
